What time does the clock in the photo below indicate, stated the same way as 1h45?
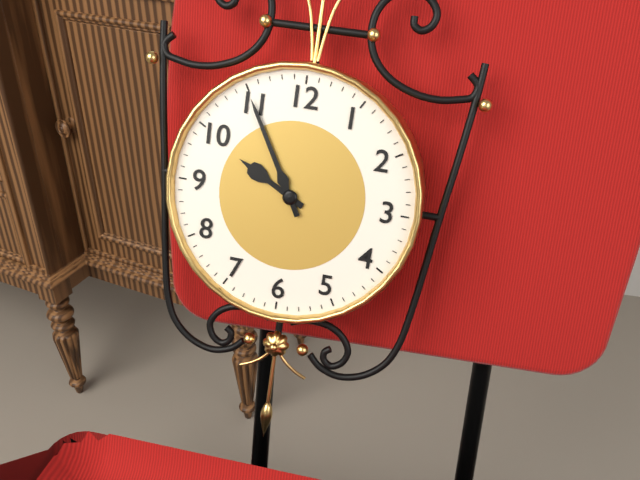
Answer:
9h55
